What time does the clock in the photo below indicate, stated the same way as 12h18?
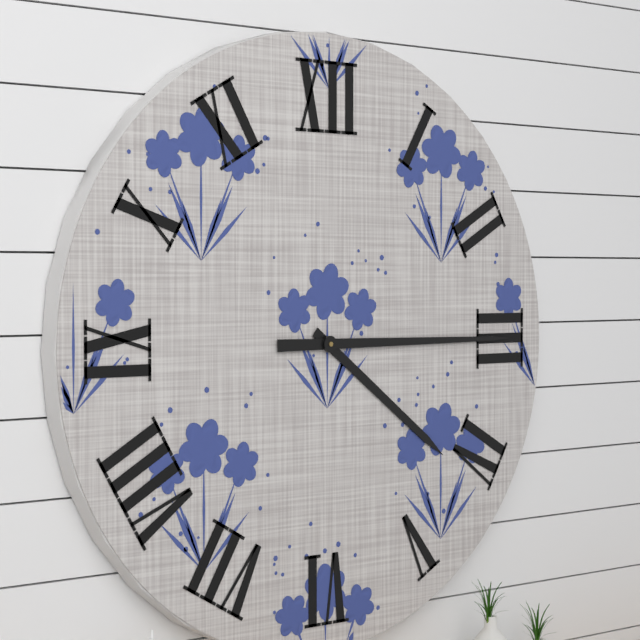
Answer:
4h15
